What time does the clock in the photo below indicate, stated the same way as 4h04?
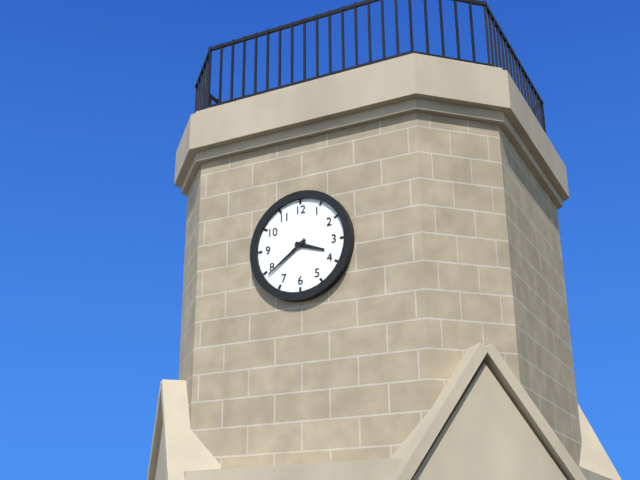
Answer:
3h39
